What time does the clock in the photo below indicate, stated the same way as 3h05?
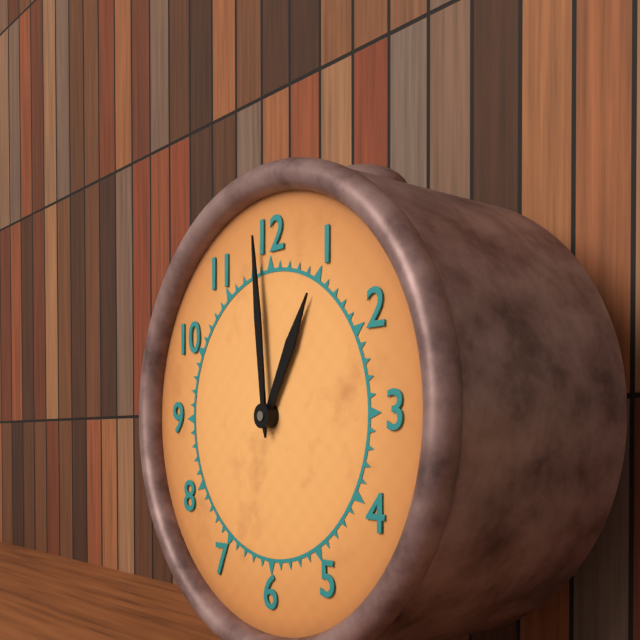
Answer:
12h59
